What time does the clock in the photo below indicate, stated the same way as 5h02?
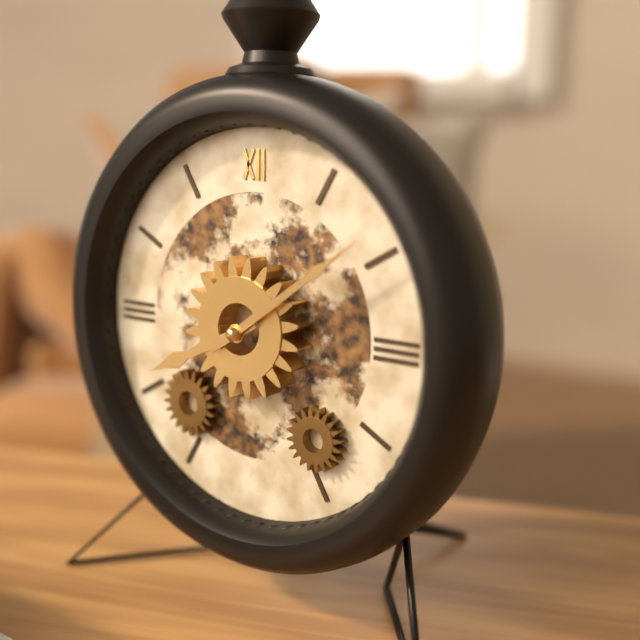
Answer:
8h09
